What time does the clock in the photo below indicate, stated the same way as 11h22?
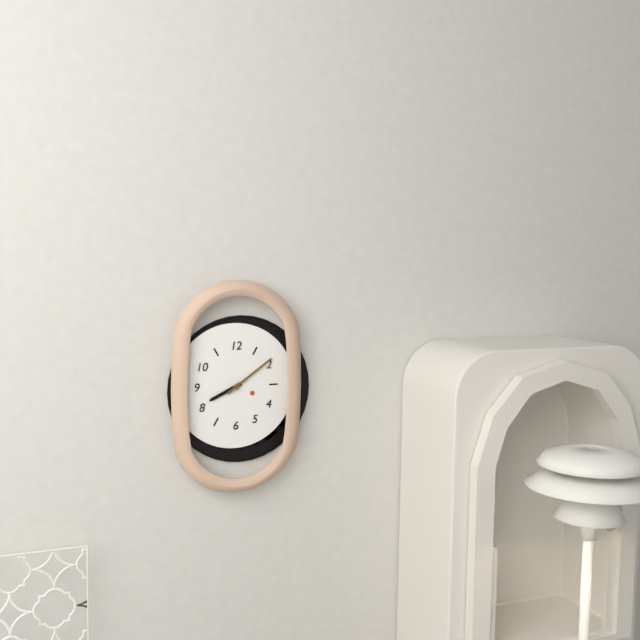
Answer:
8h09
